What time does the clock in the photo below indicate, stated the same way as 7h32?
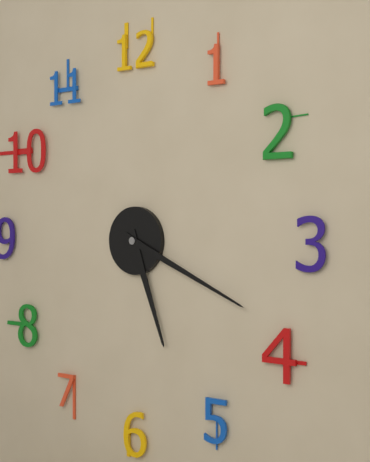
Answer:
5h19
